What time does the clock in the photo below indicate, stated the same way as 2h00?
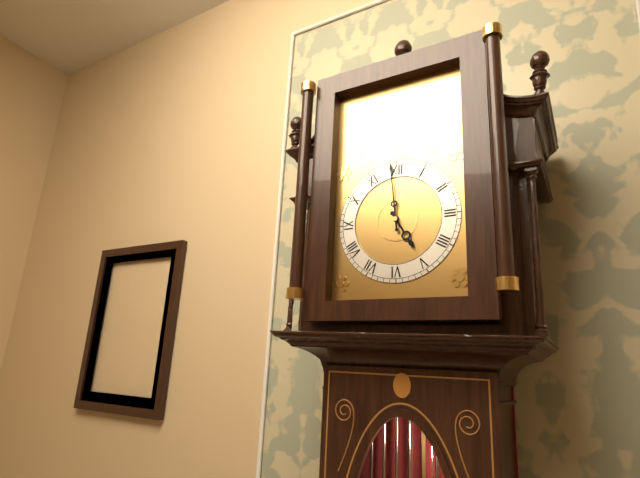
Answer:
4h59
